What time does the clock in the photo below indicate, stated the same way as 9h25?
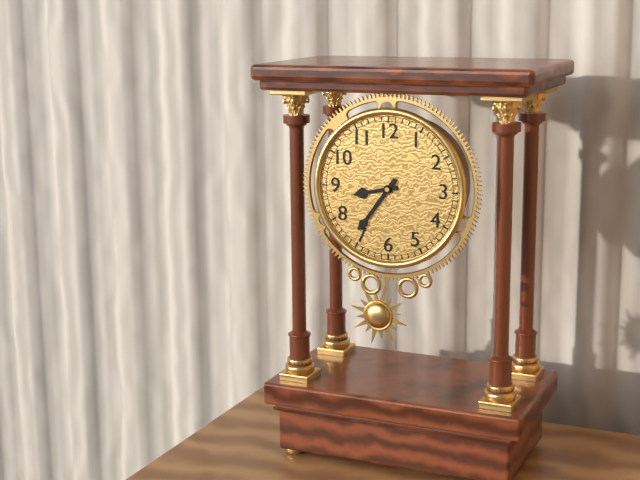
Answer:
8h36
